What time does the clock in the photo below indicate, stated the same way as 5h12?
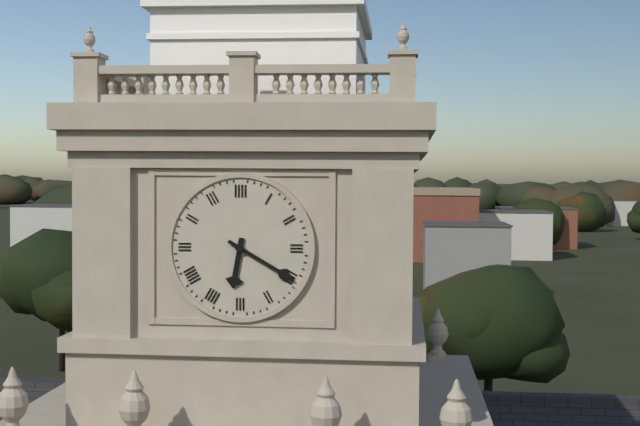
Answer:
6h20
